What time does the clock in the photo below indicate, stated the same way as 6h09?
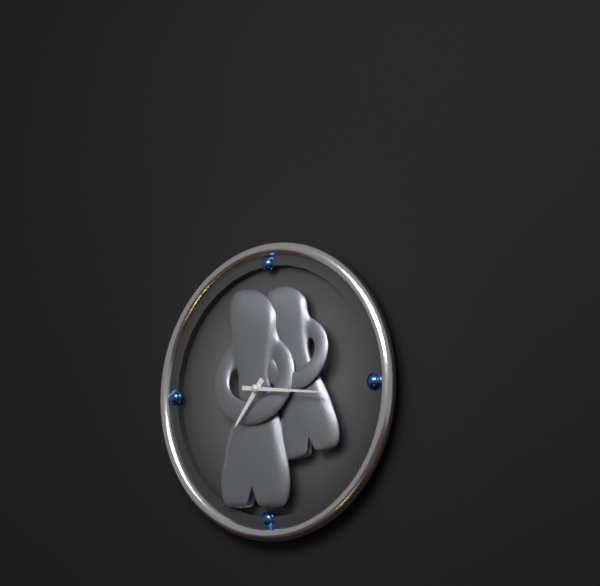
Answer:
7h16
